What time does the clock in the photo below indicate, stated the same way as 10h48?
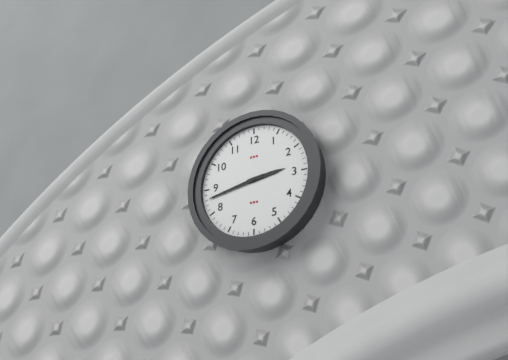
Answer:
2h43
